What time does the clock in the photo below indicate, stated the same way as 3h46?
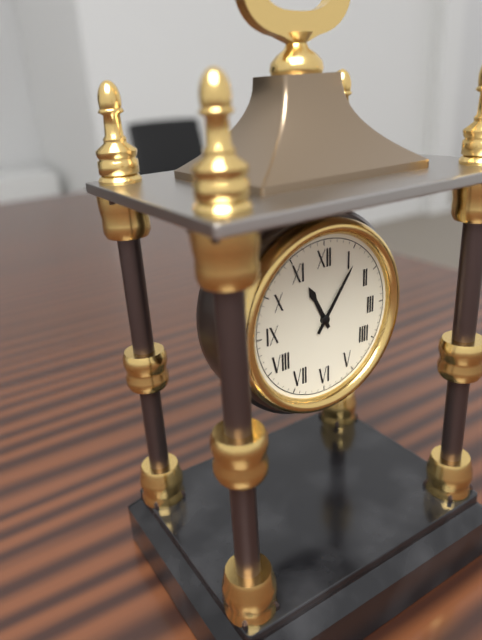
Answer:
11h06
